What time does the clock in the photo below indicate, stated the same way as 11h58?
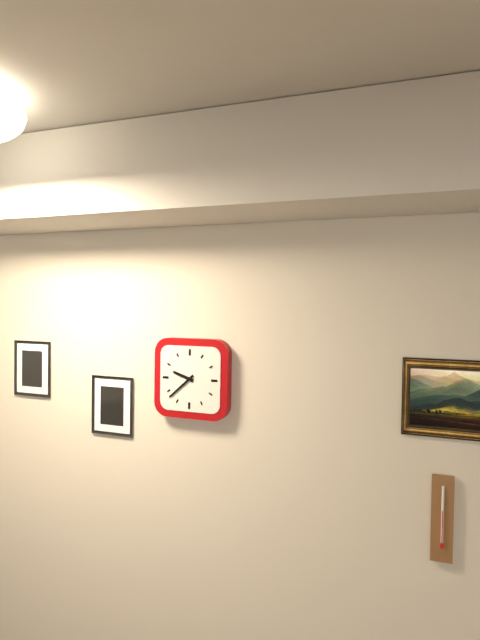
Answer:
9h38
